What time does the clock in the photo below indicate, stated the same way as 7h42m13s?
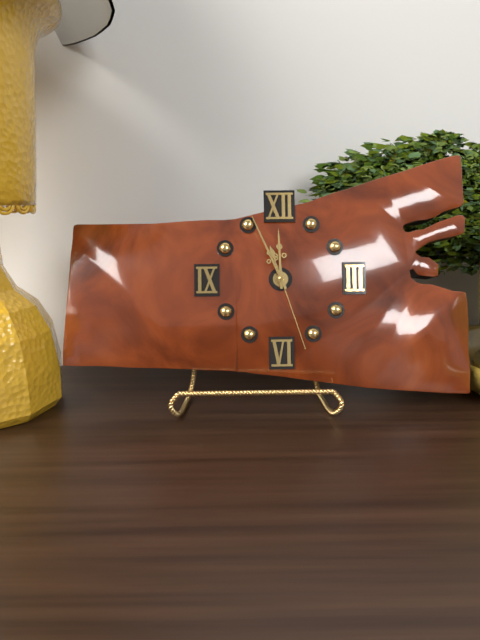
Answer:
11h56m27s
